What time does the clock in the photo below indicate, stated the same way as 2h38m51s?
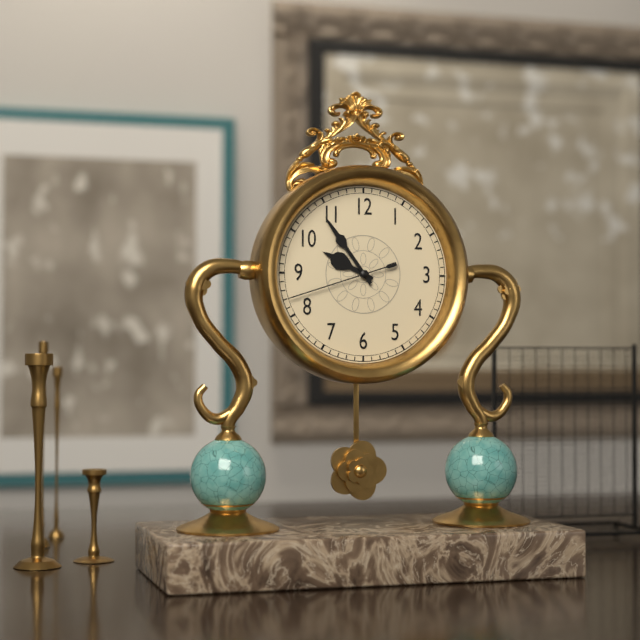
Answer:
9h54m42s
